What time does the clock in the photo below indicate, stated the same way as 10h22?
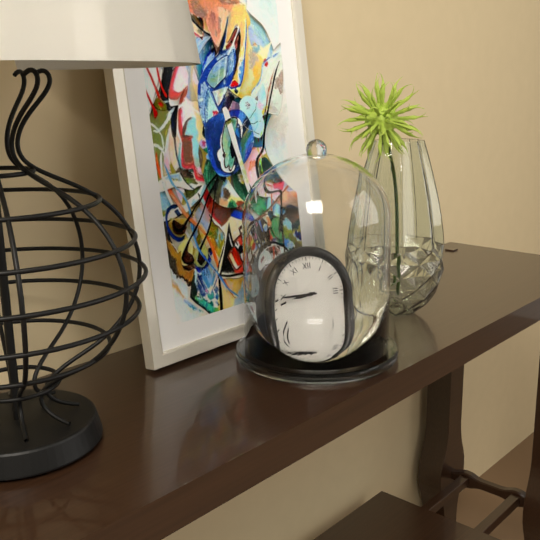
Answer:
8h45
